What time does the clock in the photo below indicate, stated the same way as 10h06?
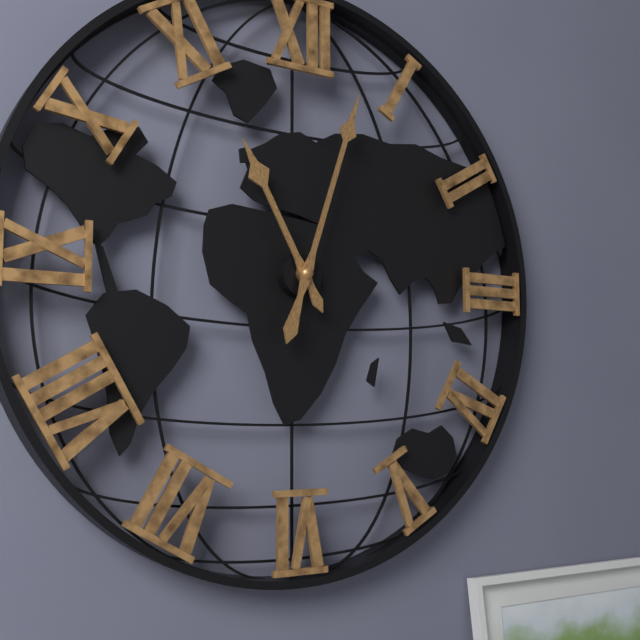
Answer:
11h03
